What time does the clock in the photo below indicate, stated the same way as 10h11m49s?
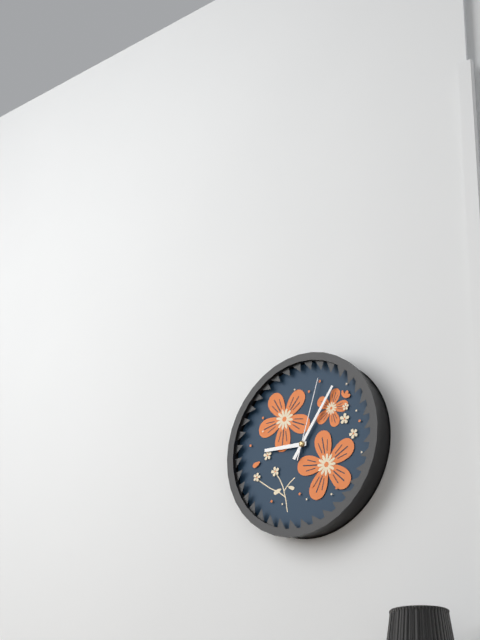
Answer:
9h06m03s
